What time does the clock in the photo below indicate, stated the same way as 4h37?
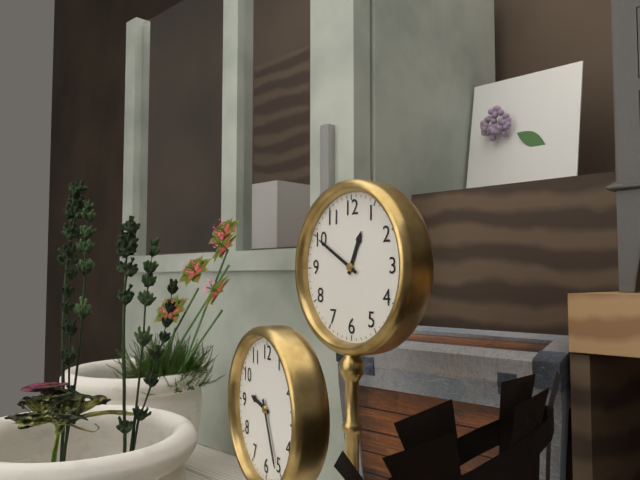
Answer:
12h50
